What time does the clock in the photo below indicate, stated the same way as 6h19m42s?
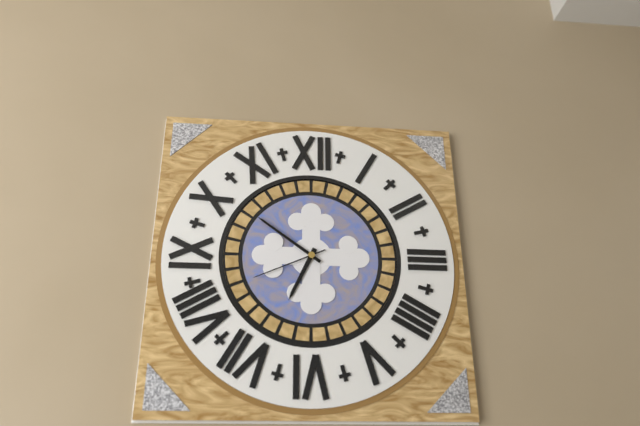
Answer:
6h51m41s
